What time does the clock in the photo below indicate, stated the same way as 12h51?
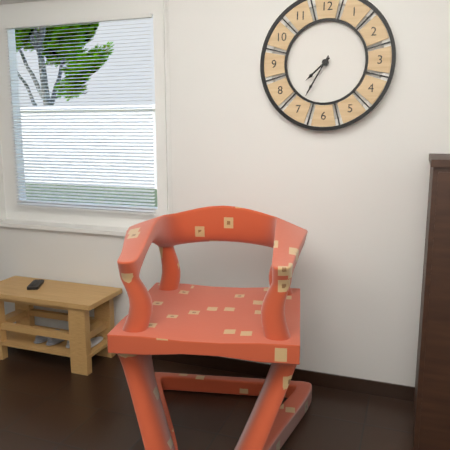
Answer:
7h35
